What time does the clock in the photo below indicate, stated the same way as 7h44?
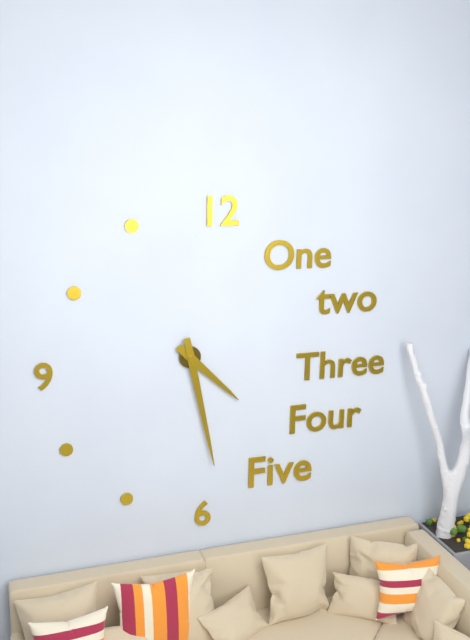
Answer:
4h28
